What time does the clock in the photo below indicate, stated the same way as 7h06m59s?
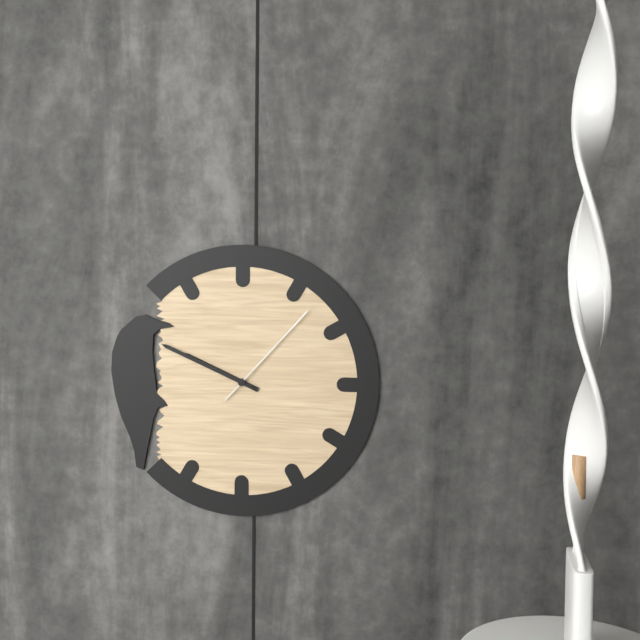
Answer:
9h49m07s
